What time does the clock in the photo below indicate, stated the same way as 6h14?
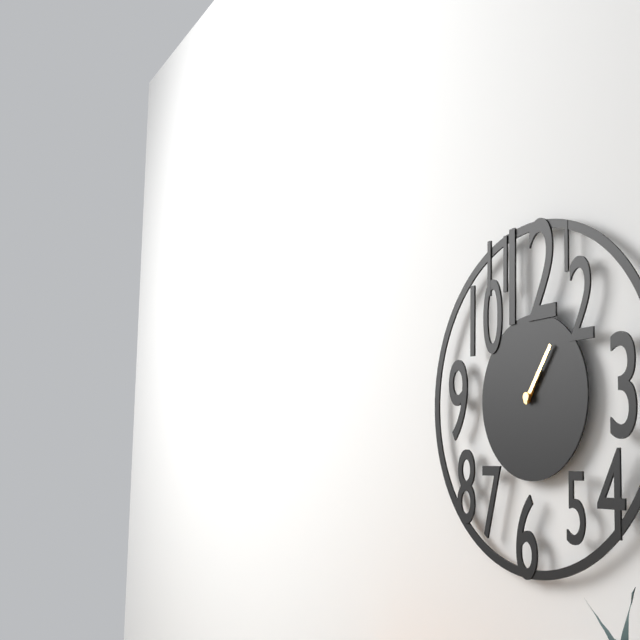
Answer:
1h06
